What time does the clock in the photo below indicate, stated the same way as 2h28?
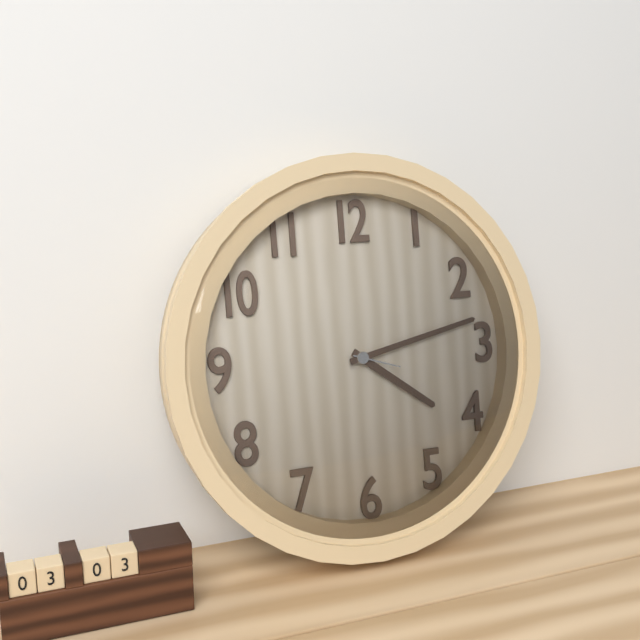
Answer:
4h13
